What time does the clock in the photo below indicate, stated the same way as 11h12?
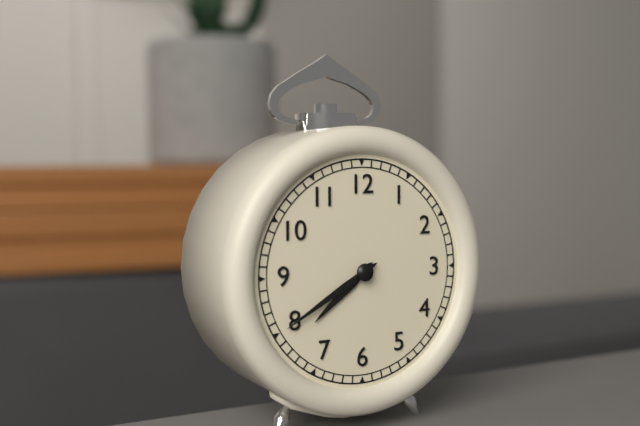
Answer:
7h40
